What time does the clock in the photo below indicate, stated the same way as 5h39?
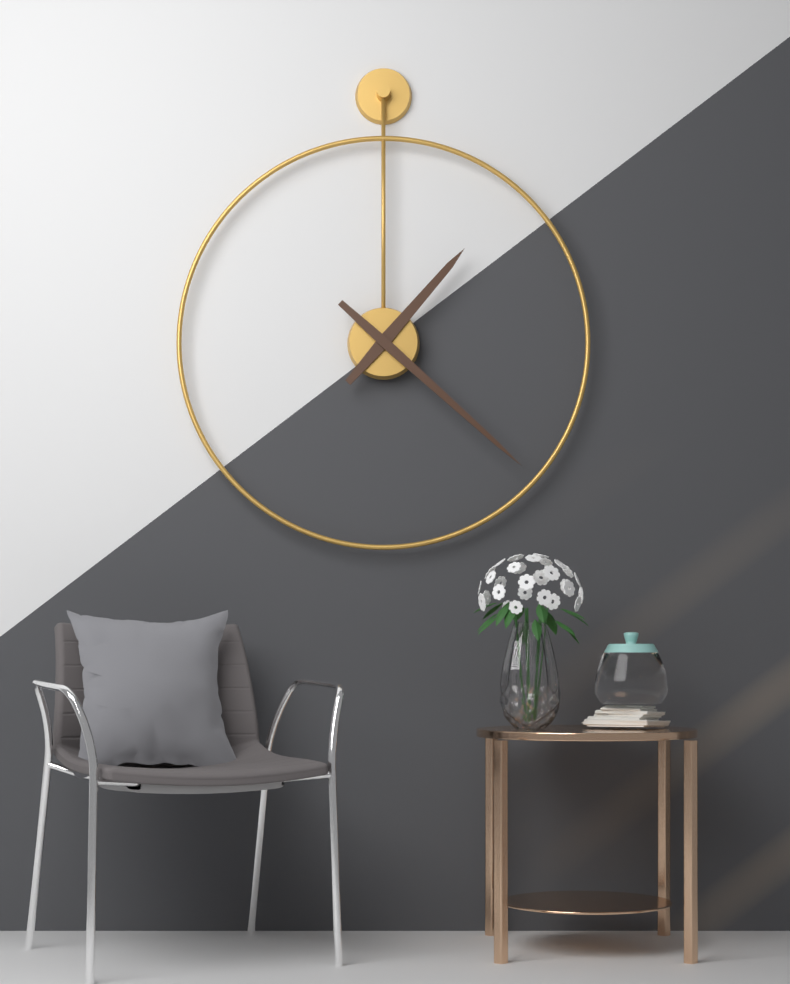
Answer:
1h22
